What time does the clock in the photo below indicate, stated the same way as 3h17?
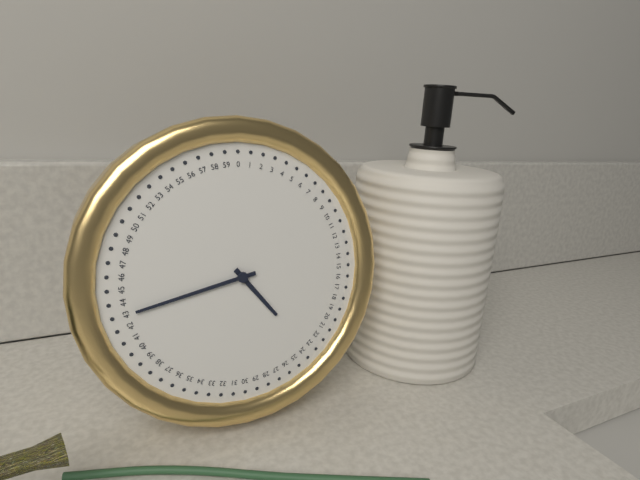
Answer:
4h43
